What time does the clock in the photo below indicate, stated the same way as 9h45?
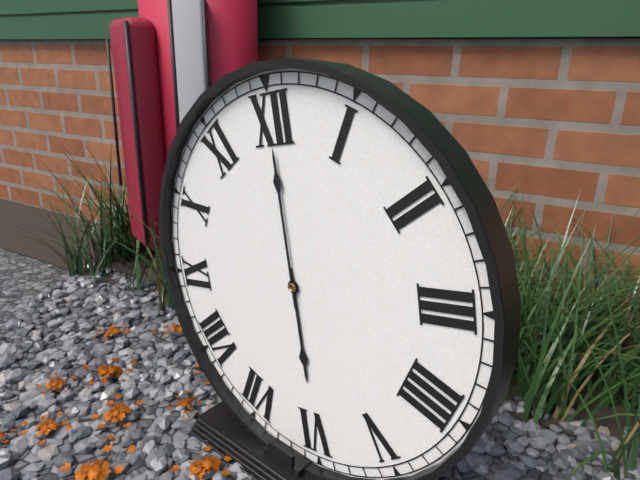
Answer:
6h00
